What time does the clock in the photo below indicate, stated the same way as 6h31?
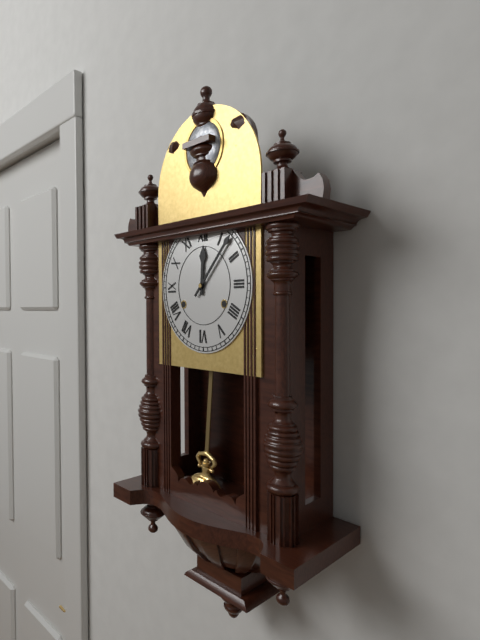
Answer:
12h07
